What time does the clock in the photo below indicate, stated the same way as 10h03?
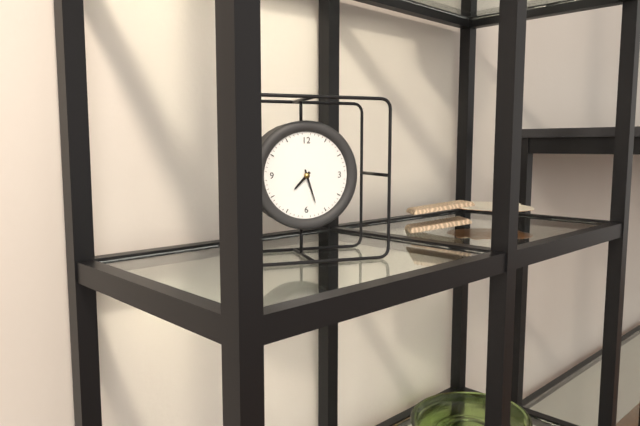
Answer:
7h27
